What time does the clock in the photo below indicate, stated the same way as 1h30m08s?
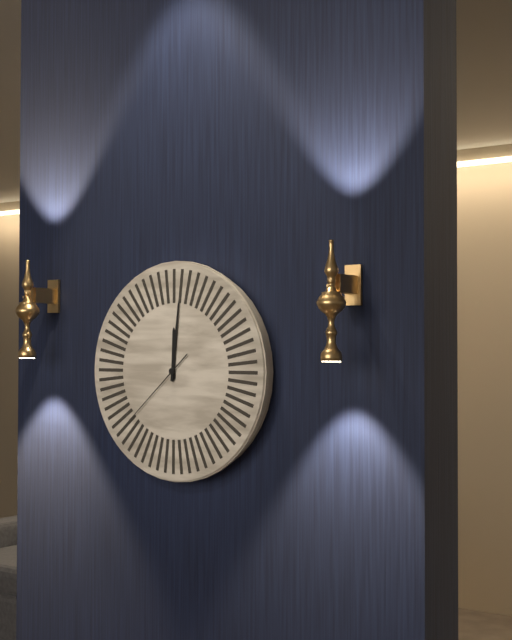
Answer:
12h01m38s
